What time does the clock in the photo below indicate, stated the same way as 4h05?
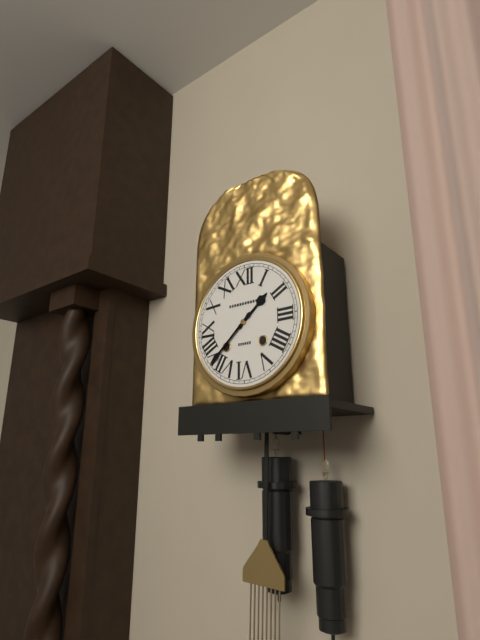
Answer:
1h38
